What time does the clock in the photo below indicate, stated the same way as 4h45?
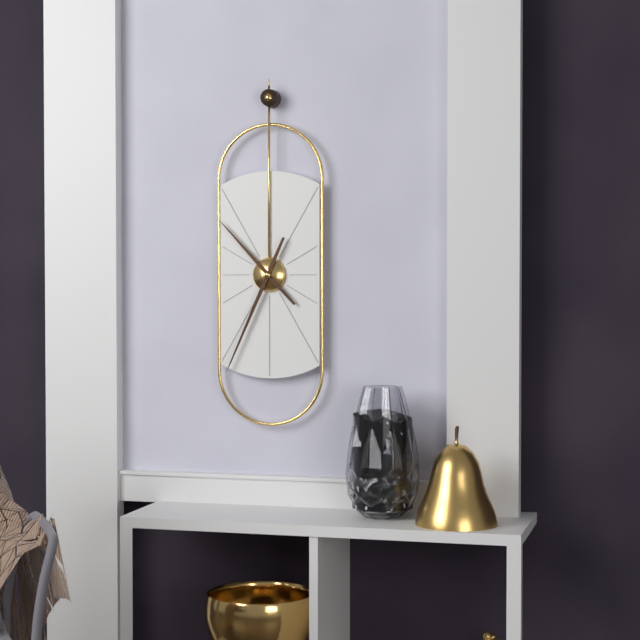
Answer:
10h34
